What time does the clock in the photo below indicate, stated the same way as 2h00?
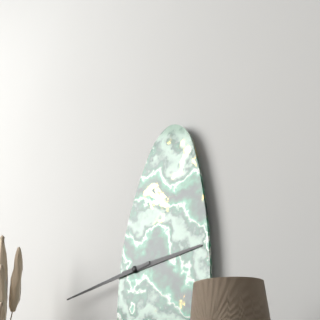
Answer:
2h43
